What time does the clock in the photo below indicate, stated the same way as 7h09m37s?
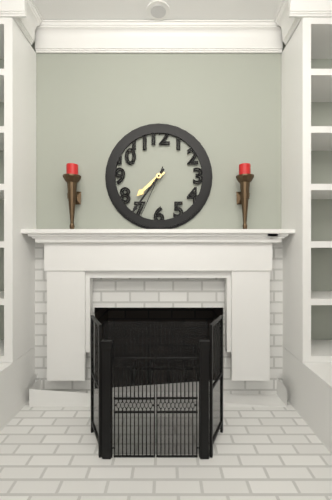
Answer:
7h36m34s
